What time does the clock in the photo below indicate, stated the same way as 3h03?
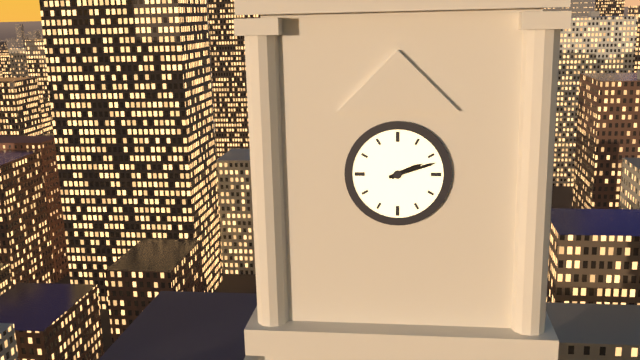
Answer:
2h12
